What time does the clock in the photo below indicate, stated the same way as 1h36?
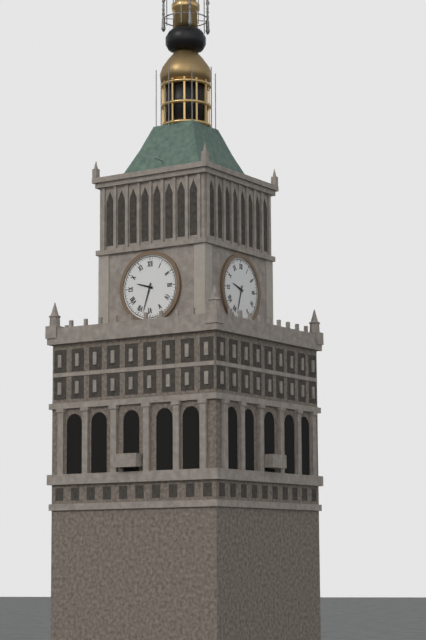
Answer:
9h33
